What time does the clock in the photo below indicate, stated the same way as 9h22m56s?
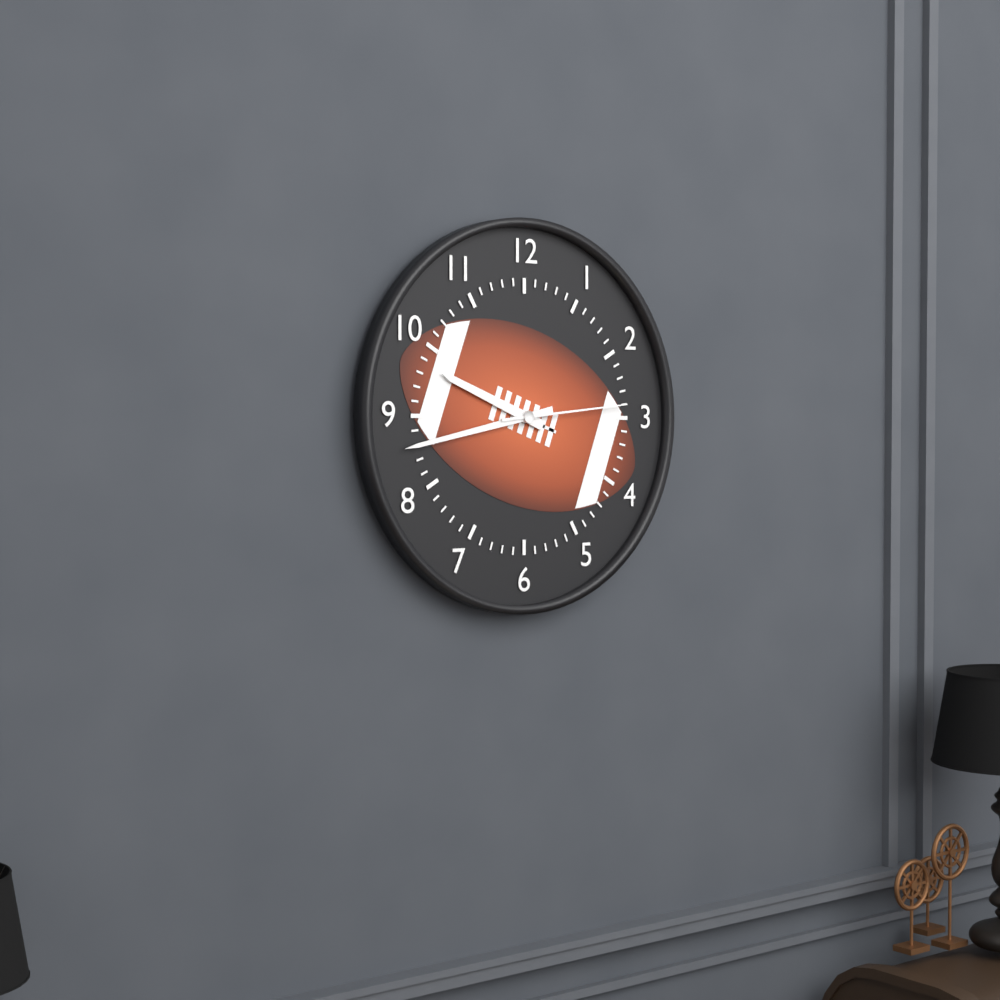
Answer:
9h43m14s
